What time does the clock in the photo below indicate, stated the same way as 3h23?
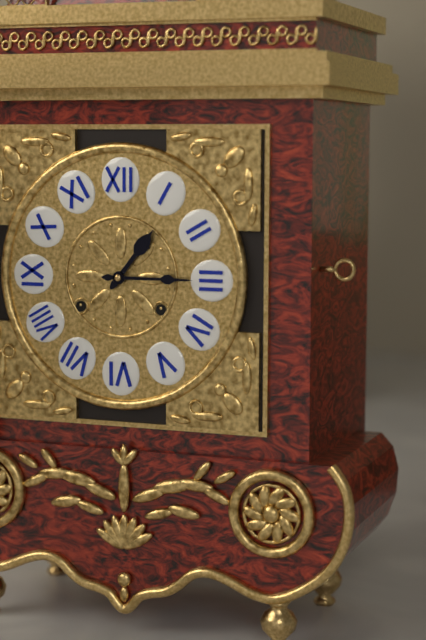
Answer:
1h15
